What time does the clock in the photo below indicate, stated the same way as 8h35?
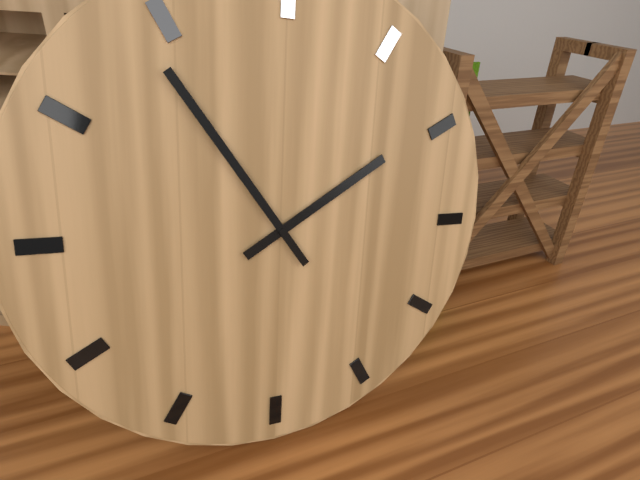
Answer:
1h54
